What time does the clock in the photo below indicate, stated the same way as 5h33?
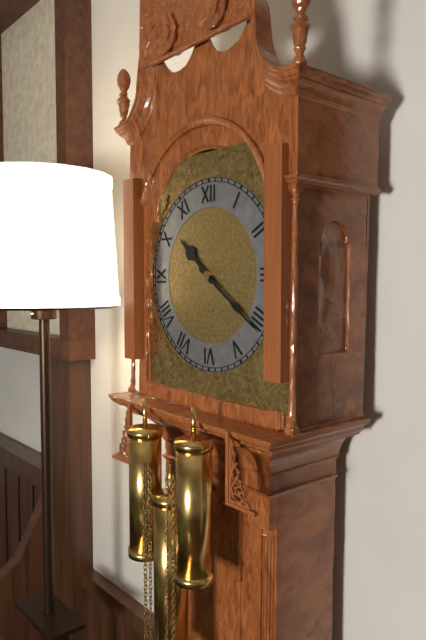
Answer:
10h21
